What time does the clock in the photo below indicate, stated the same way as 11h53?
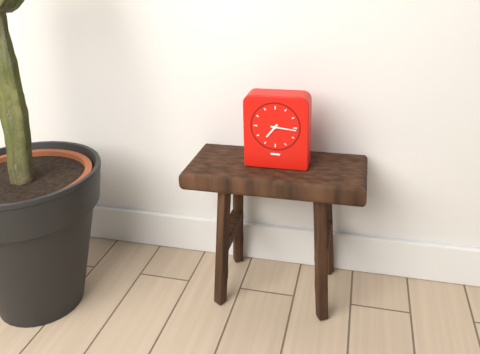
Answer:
7h16
